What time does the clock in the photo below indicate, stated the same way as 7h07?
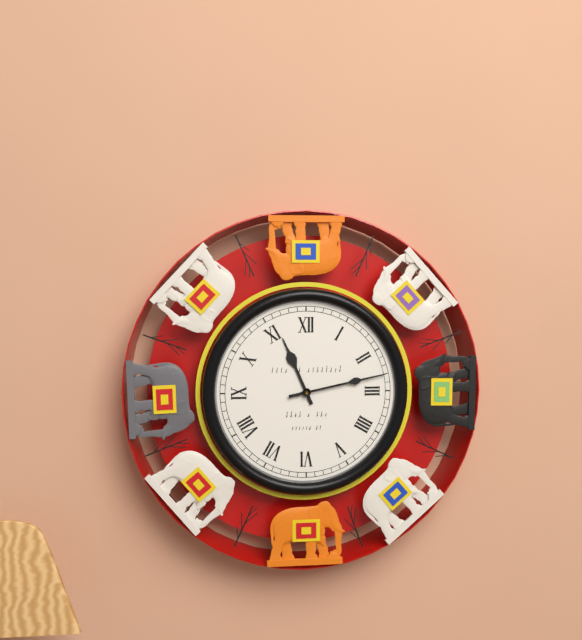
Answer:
11h13
